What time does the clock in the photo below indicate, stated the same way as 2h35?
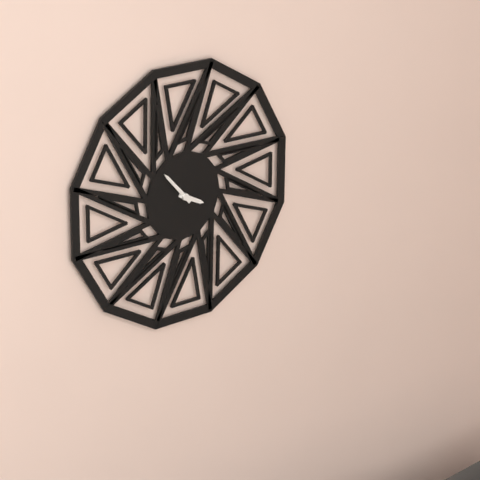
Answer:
3h53
